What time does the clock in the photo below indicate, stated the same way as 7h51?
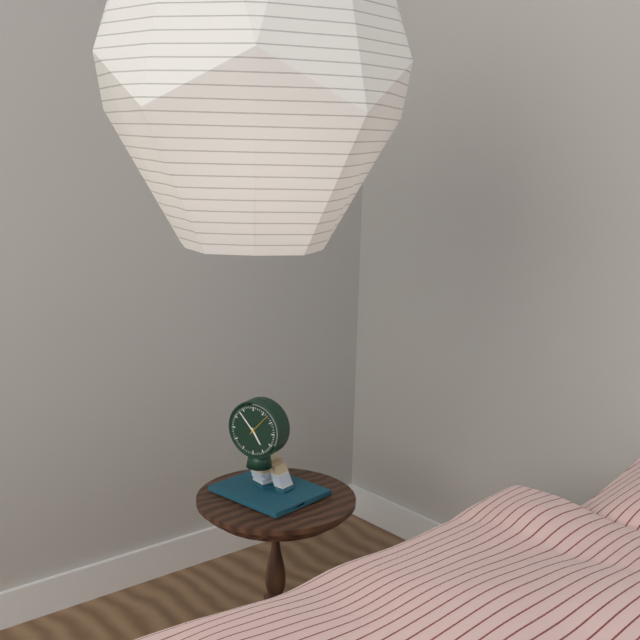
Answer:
4h53
